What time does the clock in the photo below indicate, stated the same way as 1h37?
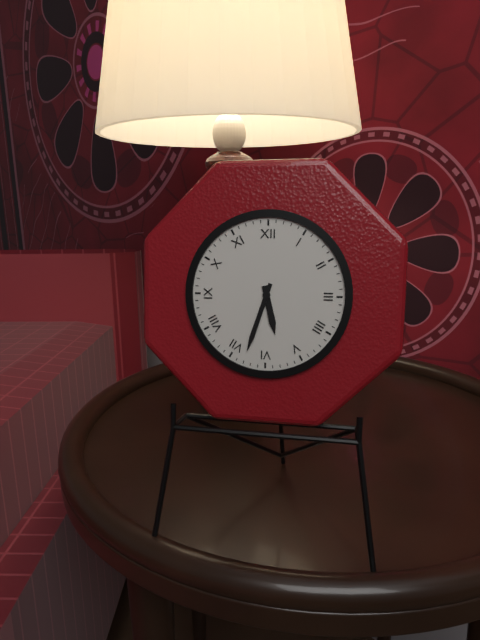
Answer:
5h33
